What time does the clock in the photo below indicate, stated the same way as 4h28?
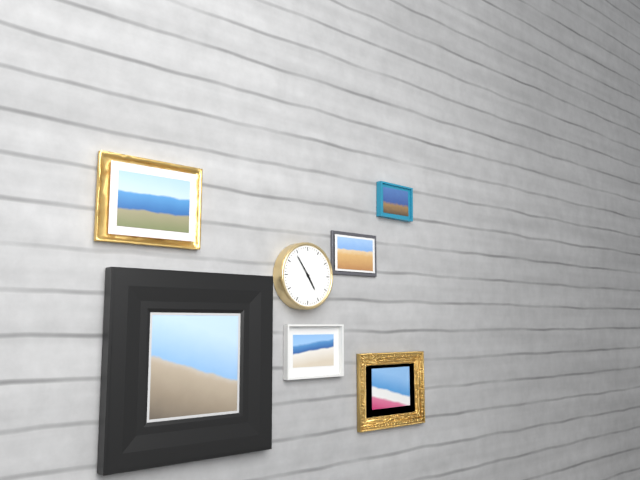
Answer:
4h54
